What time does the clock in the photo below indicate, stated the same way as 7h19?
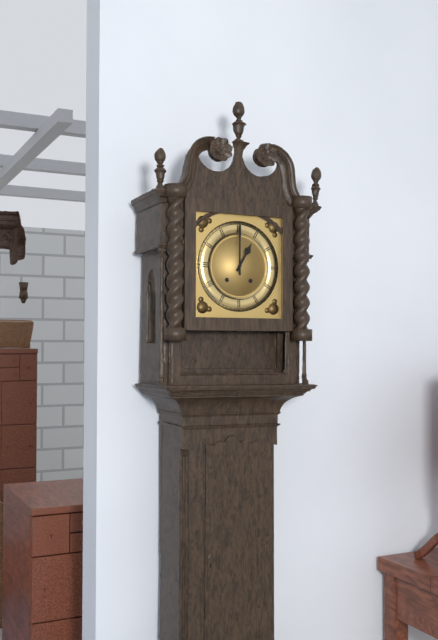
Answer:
1h00
